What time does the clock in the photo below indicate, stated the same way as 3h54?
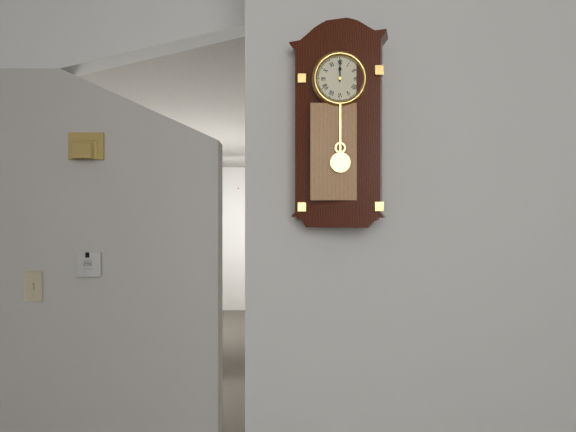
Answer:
12h00
